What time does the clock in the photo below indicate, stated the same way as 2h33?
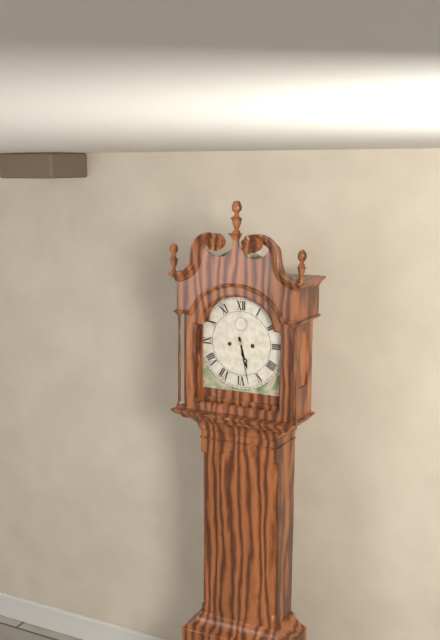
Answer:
5h28
